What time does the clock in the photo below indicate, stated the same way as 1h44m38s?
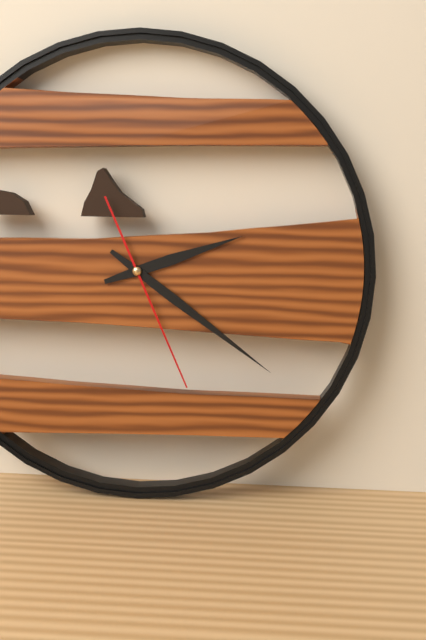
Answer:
2h21m26s
